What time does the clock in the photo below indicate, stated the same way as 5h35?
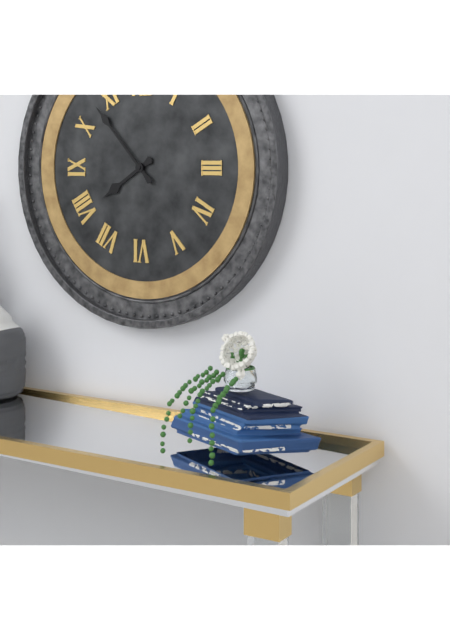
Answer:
7h53
